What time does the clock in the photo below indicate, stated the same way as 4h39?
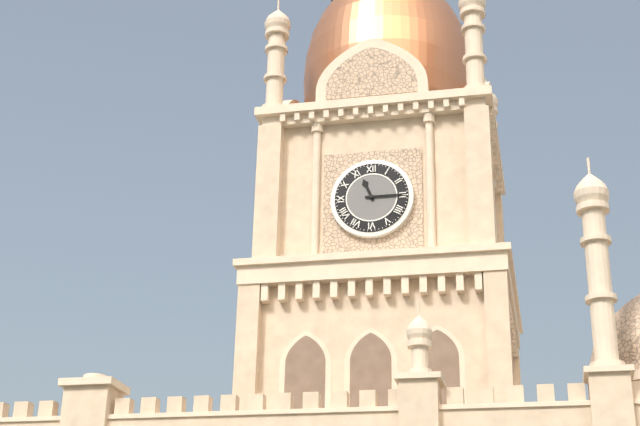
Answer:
11h15
